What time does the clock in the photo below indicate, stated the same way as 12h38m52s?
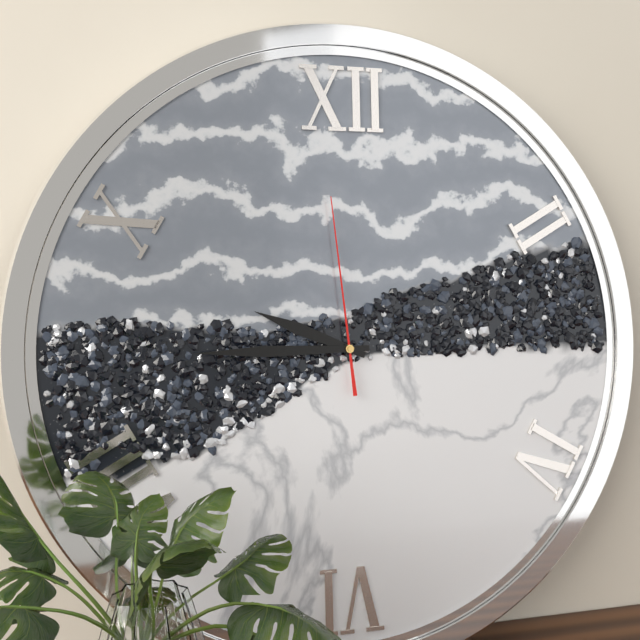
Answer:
9h45m59s
